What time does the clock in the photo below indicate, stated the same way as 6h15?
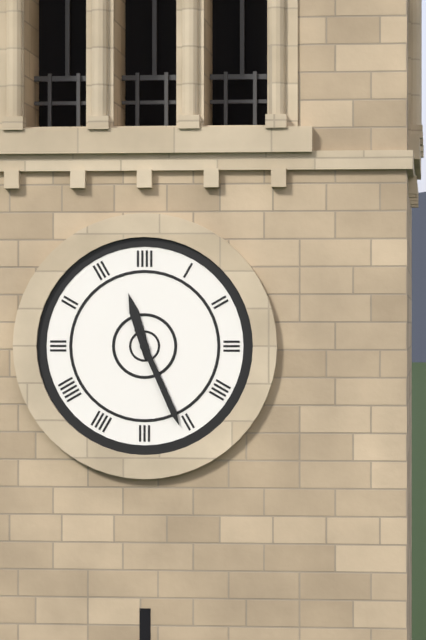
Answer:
11h26
